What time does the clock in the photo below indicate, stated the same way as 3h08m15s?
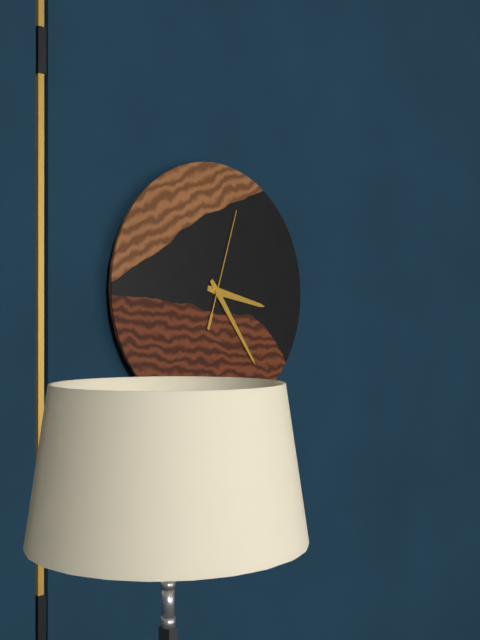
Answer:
3h24m03s
